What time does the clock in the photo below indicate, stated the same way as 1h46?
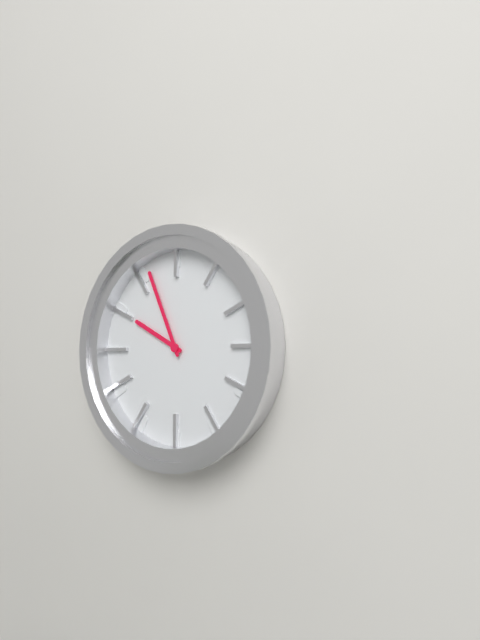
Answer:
9h56
